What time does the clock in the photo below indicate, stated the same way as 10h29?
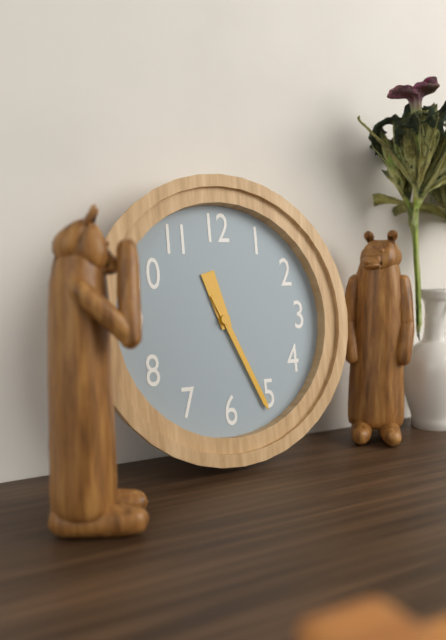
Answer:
11h26
